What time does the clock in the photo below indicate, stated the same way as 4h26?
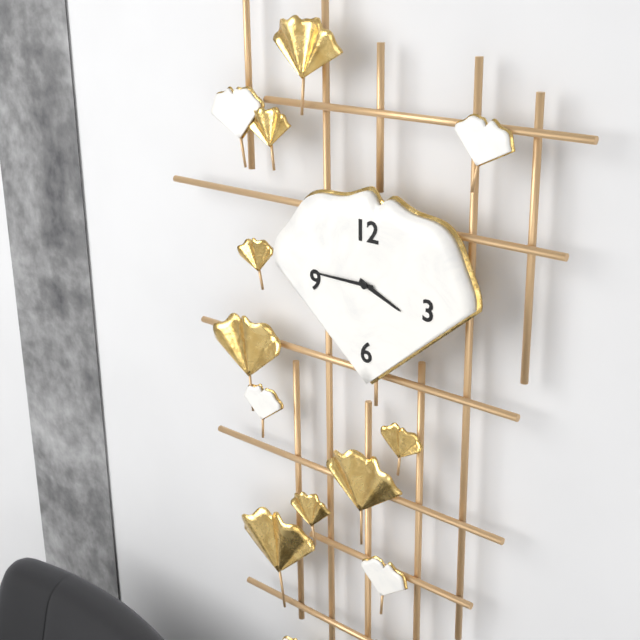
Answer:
3h45
